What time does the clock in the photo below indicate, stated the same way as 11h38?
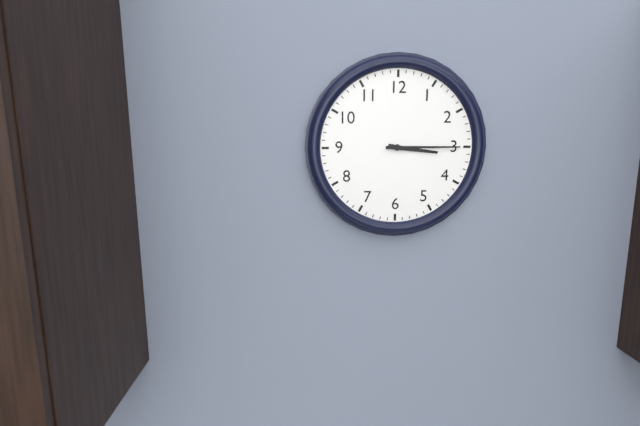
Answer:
3h15
